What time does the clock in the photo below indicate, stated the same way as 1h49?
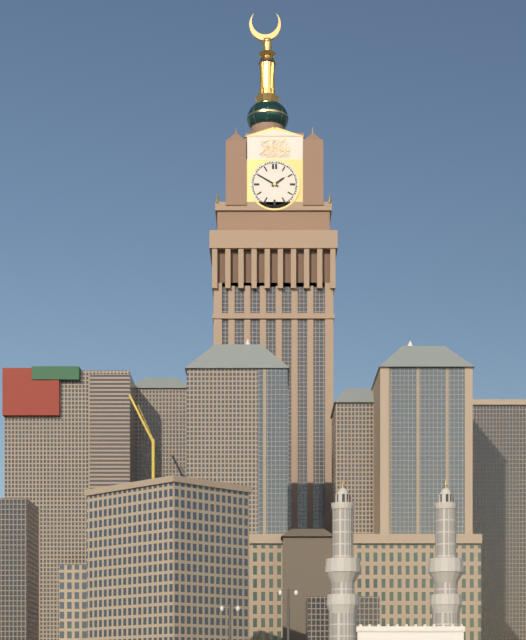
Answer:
1h50
